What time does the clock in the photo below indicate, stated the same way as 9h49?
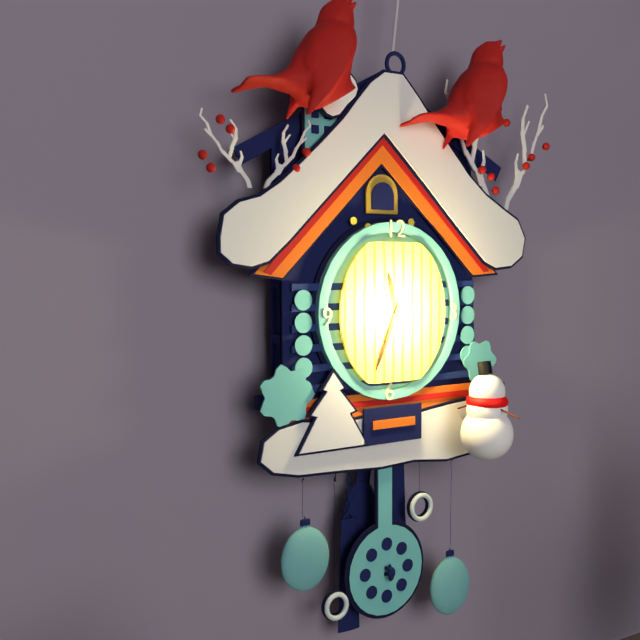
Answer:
11h34
